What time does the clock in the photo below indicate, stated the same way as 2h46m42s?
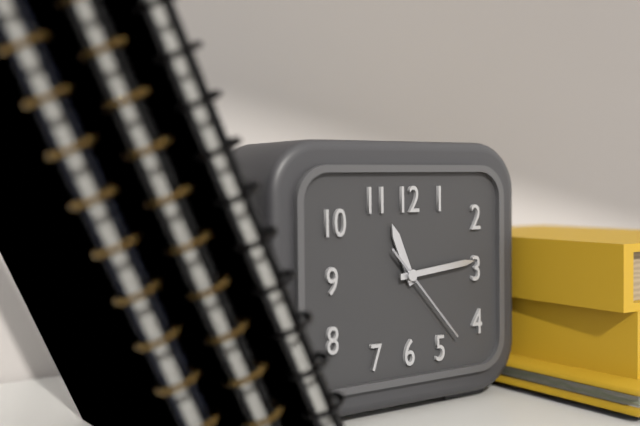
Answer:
11h14m23s
